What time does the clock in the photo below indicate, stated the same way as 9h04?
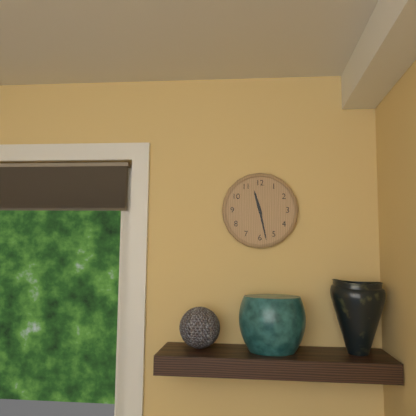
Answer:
11h28
